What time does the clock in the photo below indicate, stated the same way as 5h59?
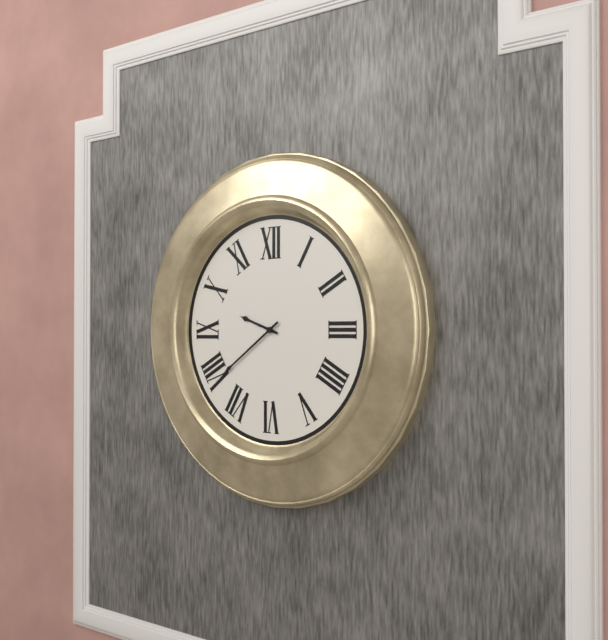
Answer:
9h39
